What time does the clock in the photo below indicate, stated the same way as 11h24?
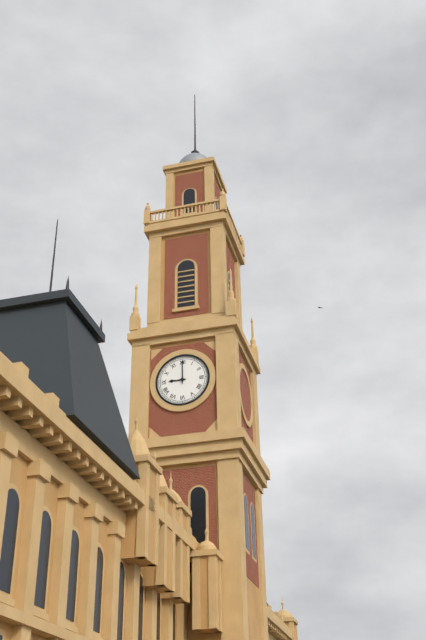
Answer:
9h00
